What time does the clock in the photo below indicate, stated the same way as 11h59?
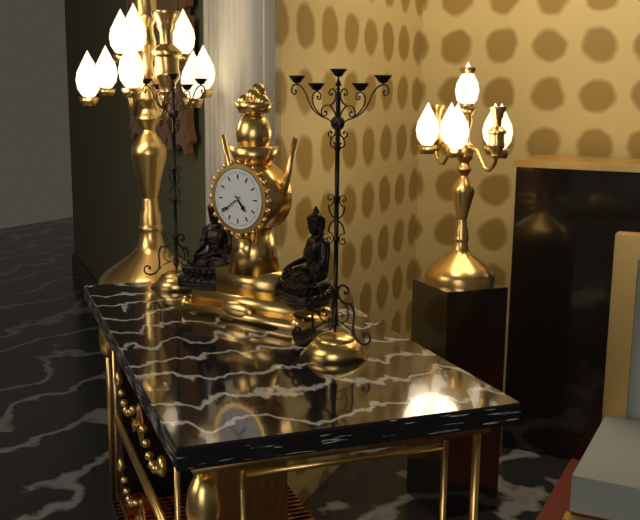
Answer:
4h39
